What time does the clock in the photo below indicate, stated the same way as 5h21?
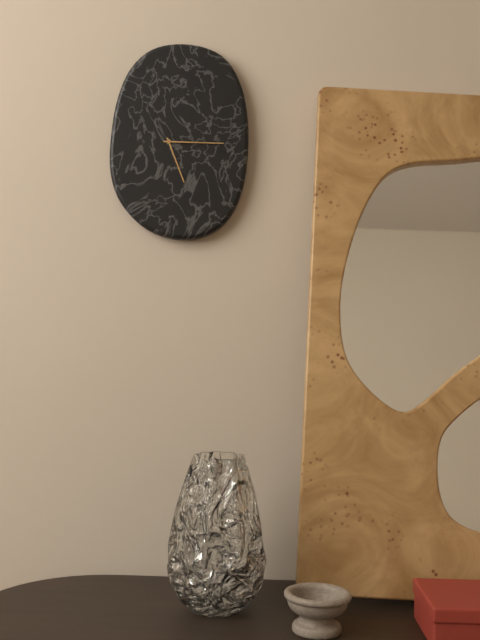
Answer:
5h15
